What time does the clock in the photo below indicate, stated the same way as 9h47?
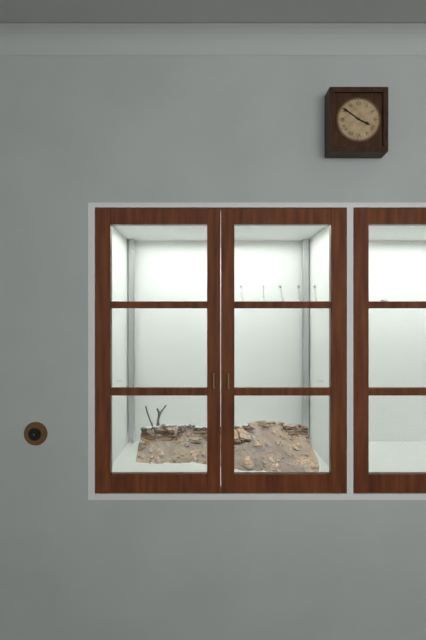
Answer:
3h51
